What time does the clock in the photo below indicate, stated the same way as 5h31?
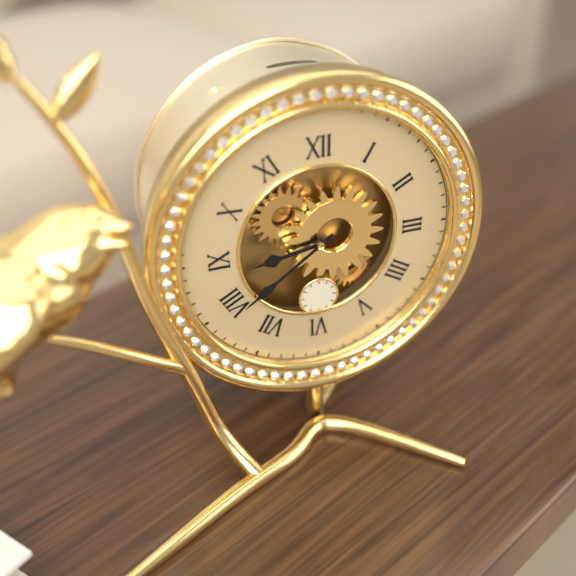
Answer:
8h39
